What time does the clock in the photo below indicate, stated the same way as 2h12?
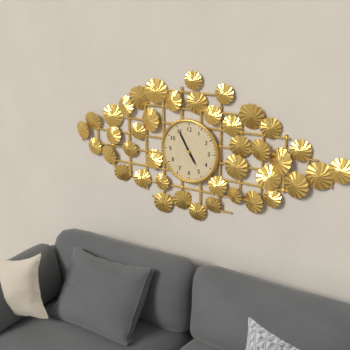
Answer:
4h55
